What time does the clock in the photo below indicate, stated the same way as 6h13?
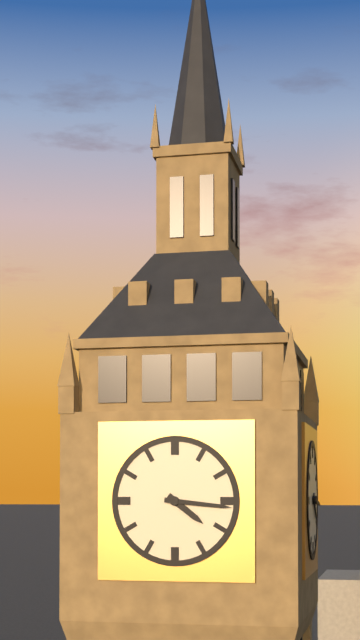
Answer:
4h16
